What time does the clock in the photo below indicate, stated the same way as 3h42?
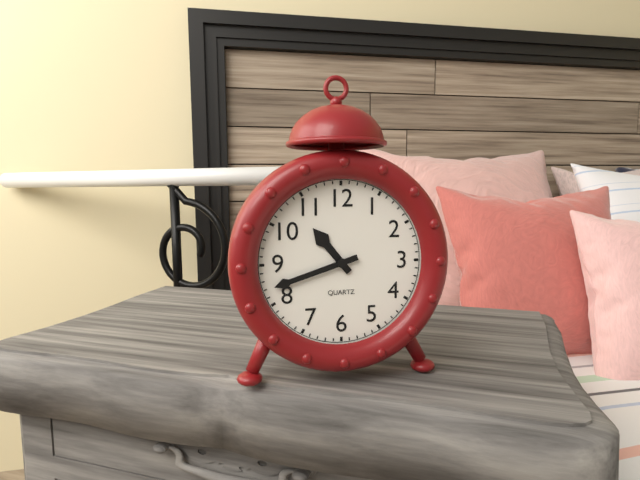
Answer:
10h42
